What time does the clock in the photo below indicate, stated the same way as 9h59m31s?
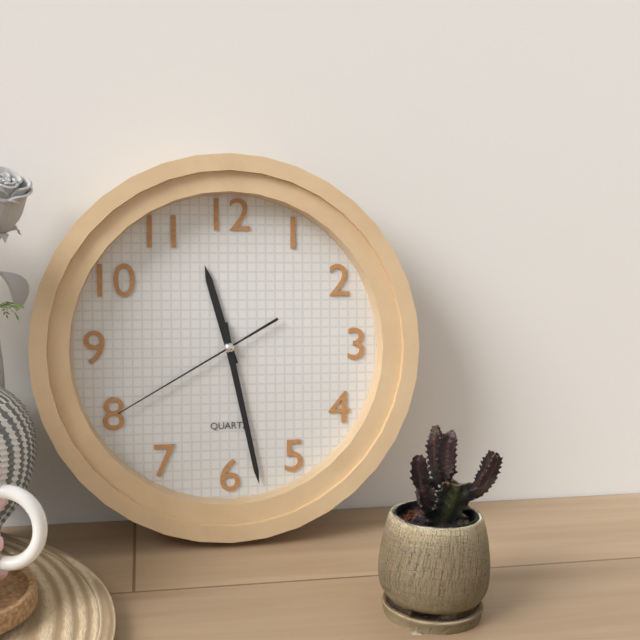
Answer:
11h28m40s
